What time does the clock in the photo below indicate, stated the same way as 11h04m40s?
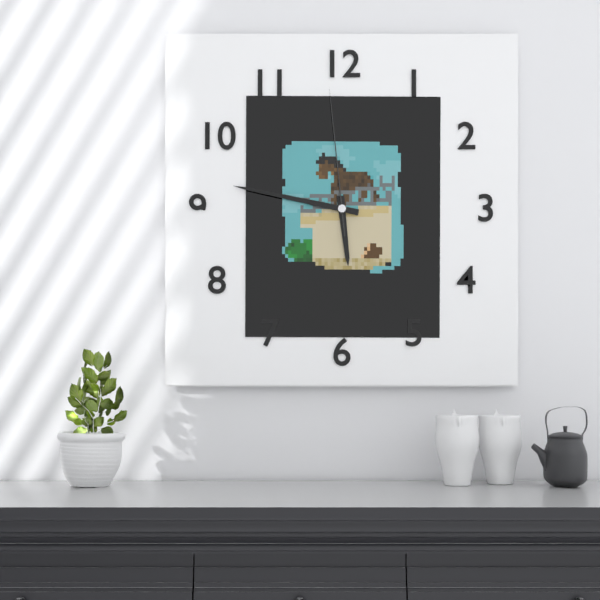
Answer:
5h47m59s
